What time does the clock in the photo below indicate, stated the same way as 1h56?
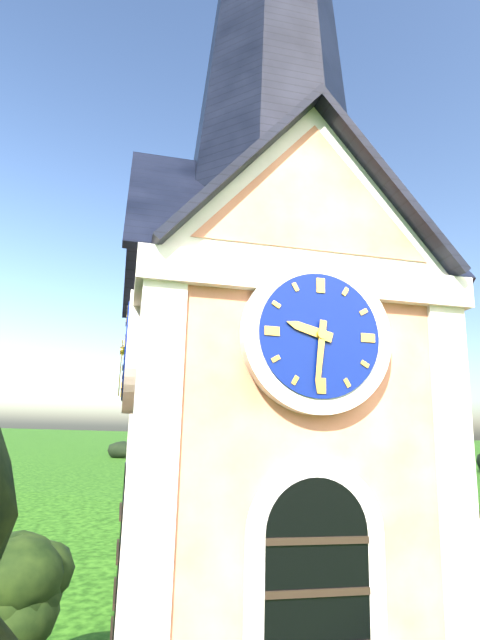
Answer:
9h31
